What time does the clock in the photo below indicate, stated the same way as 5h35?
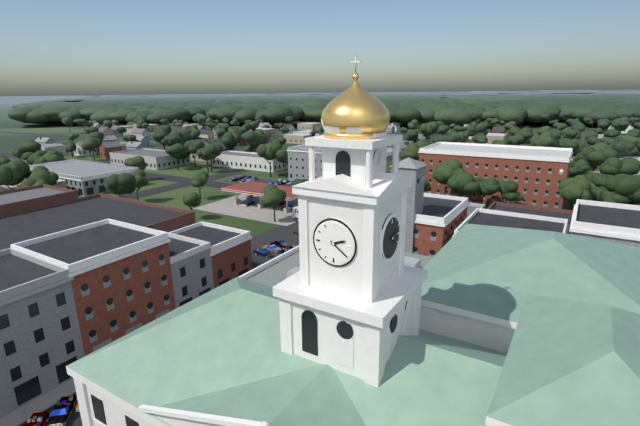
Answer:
2h21
